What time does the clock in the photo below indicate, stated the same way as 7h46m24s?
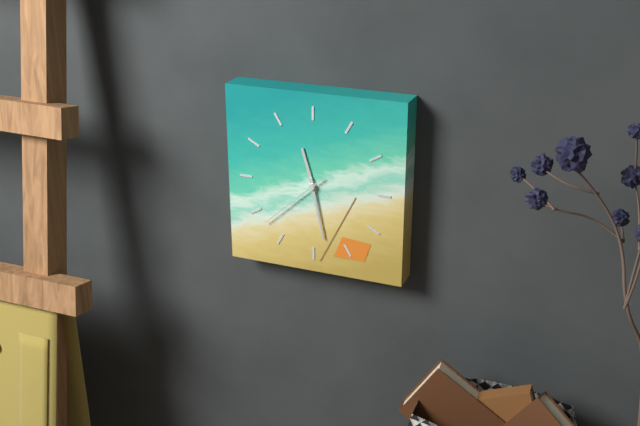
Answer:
11h28m38s
